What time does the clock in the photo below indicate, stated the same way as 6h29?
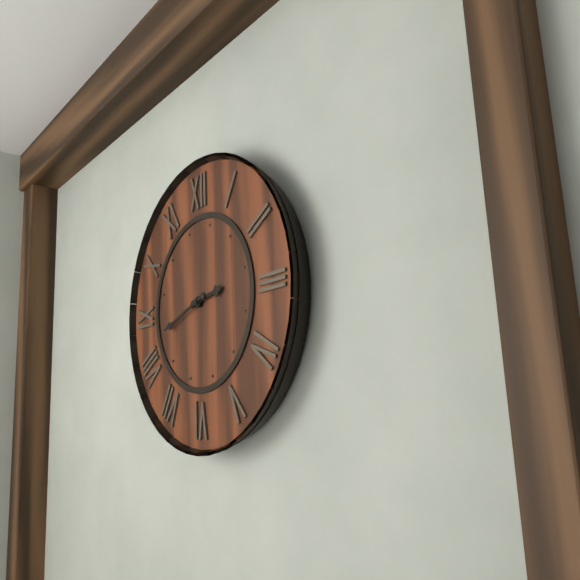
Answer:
2h42
